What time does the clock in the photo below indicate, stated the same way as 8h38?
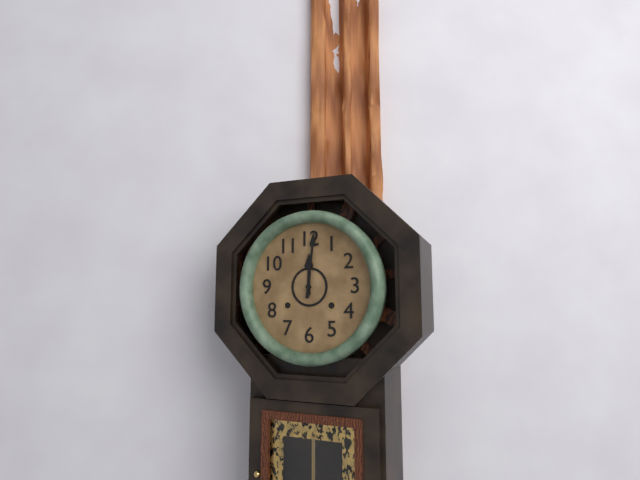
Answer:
12h01
